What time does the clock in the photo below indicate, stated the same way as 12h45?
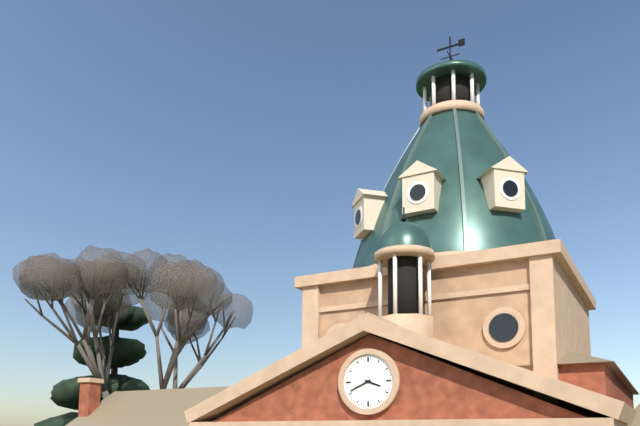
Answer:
3h41
